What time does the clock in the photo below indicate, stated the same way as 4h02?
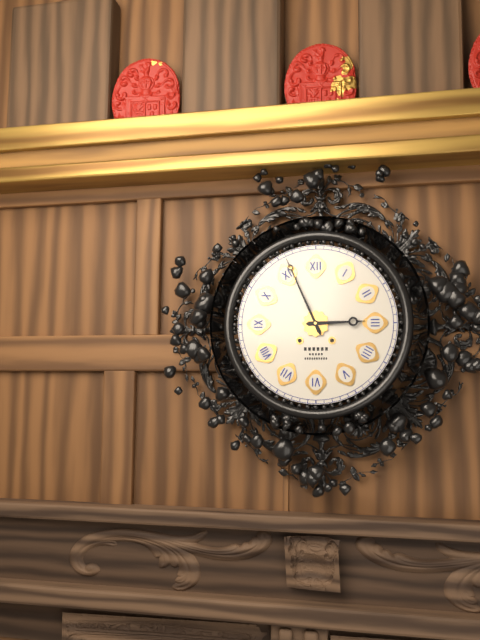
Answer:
2h56
